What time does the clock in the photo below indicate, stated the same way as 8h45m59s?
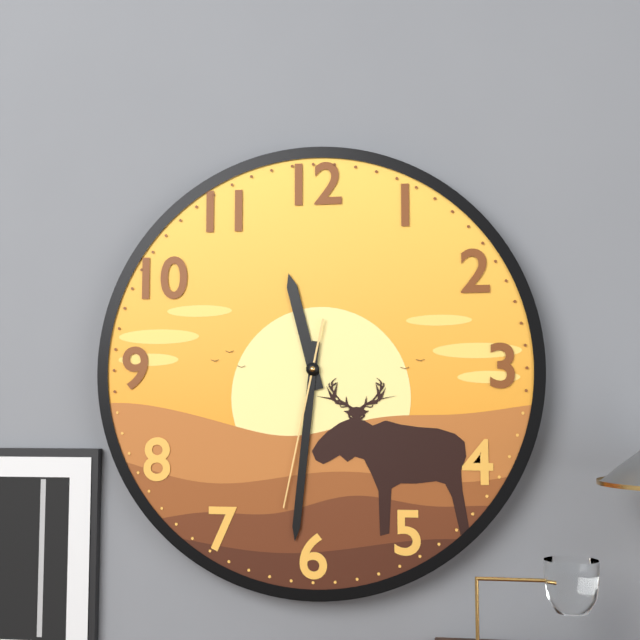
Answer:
11h31m32s
